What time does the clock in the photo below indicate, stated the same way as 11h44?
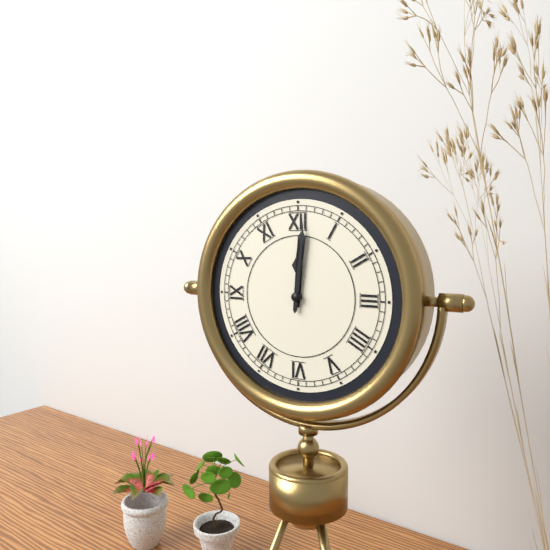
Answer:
12h01
